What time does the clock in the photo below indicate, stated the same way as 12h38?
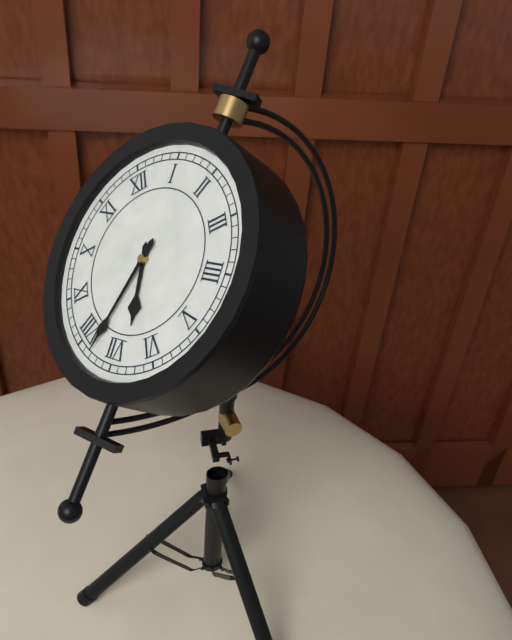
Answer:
6h38
